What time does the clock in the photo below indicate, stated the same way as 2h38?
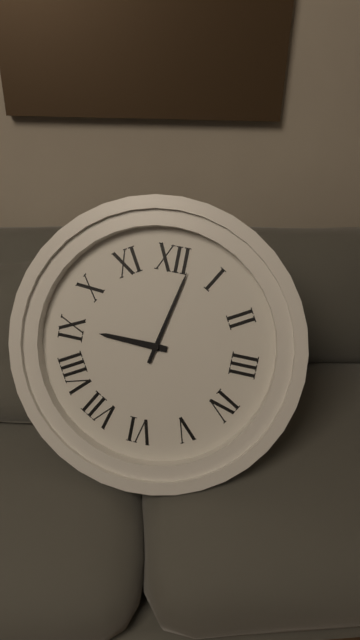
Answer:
9h02
